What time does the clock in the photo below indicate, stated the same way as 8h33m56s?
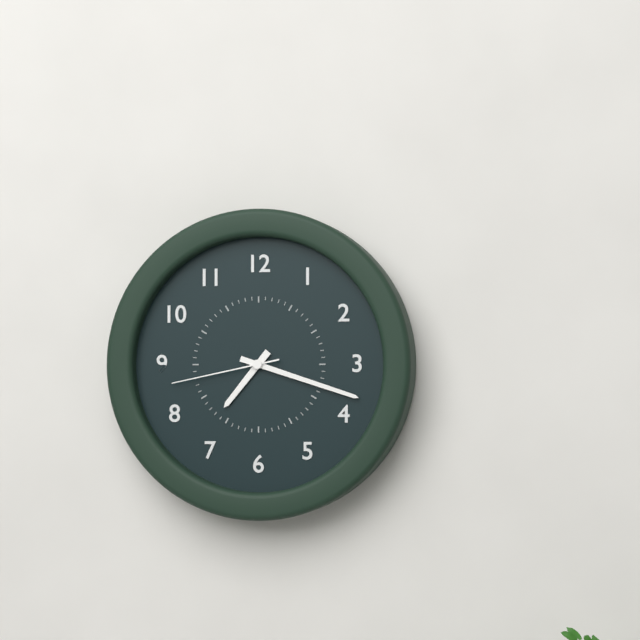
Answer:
7h18m43s
